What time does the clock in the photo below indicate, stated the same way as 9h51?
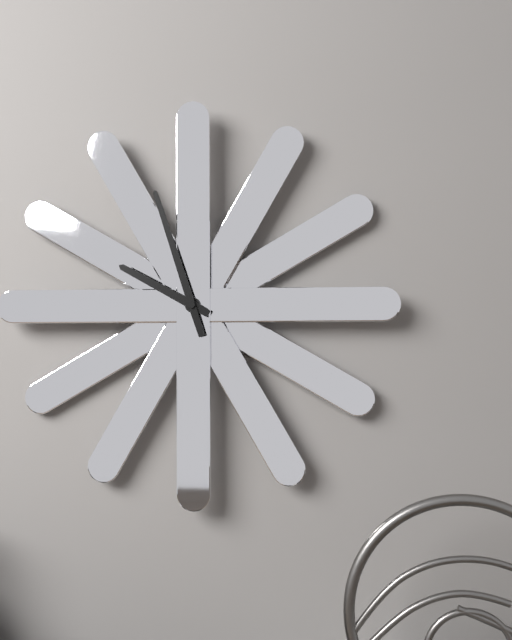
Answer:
9h57
